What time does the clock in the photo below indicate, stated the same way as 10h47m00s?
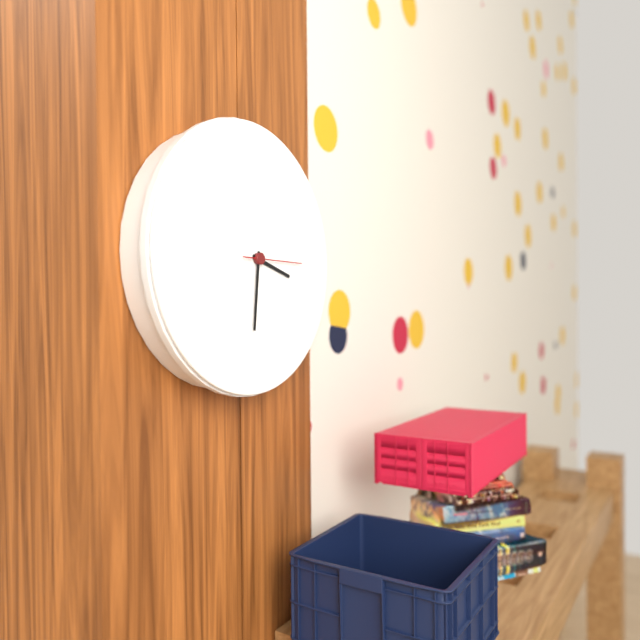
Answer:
3h31m15s
